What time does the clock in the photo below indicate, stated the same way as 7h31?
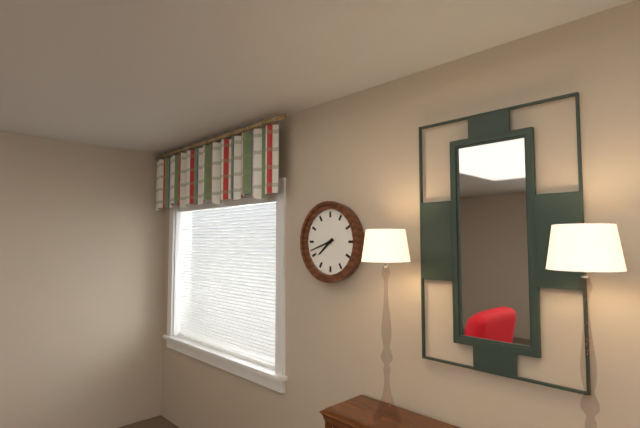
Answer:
7h42
